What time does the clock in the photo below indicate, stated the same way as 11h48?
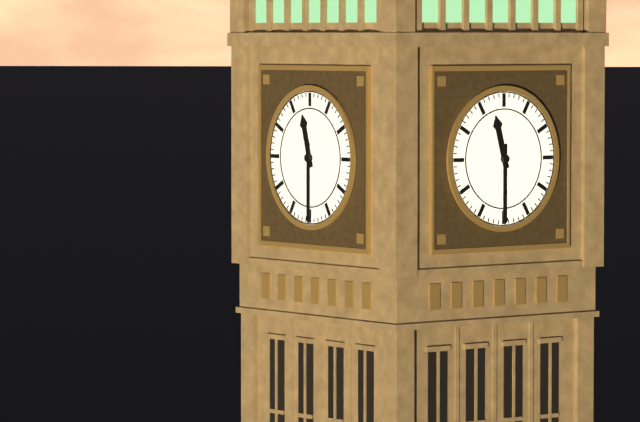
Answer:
11h30
